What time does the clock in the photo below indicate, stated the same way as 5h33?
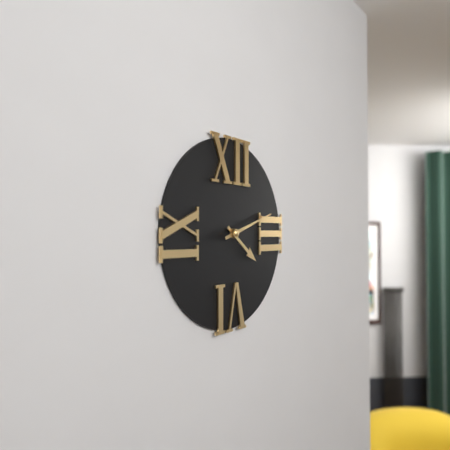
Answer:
4h12
